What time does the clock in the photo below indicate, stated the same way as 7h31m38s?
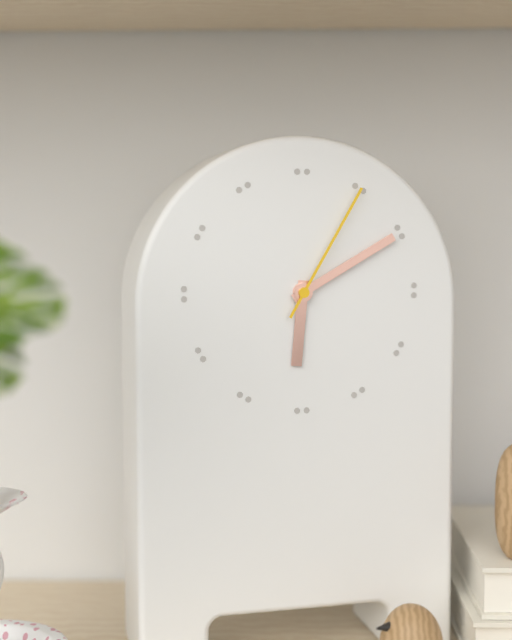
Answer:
6h10m05s
